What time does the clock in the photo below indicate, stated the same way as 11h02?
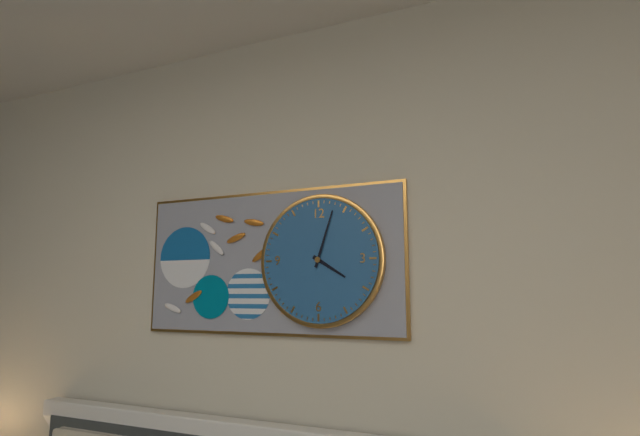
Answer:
4h03
